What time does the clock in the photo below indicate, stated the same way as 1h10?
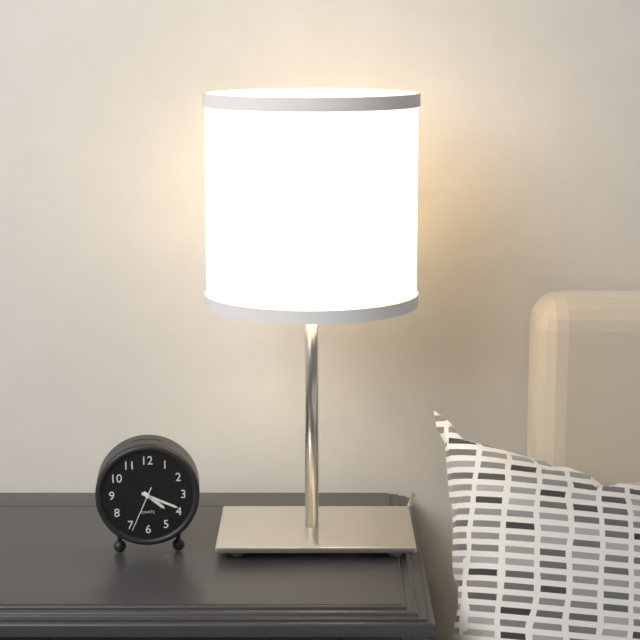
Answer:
4h19
